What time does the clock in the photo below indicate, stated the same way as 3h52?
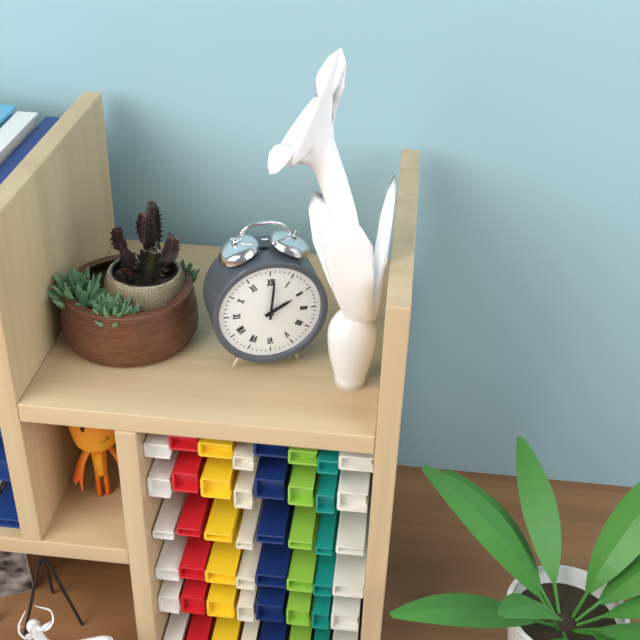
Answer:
2h01
